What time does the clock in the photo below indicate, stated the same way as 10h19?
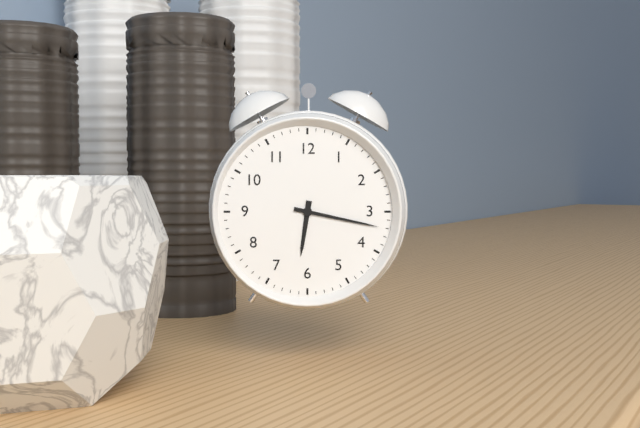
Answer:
6h17
